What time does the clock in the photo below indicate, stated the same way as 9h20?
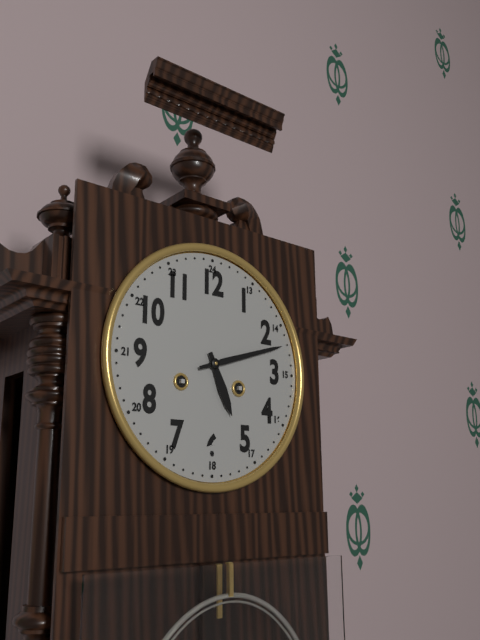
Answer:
5h12
